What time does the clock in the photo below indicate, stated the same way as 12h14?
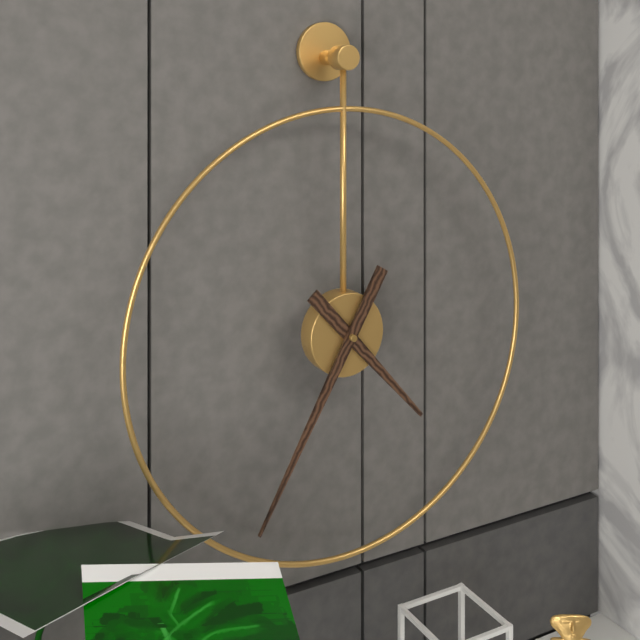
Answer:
4h35
